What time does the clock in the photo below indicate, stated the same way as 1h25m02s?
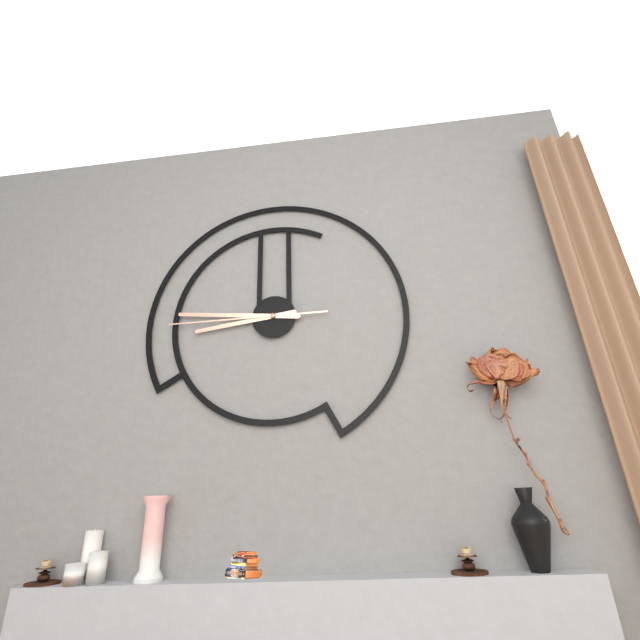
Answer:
8h46m45s
